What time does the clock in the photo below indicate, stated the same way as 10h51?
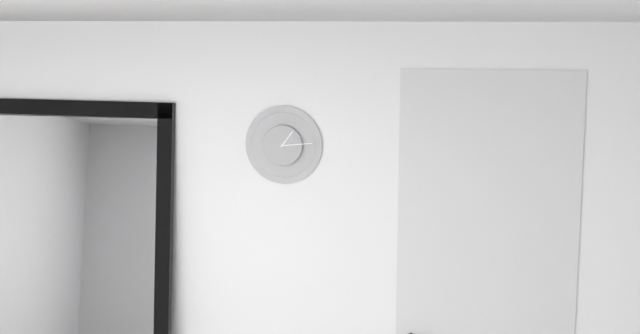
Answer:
1h14
